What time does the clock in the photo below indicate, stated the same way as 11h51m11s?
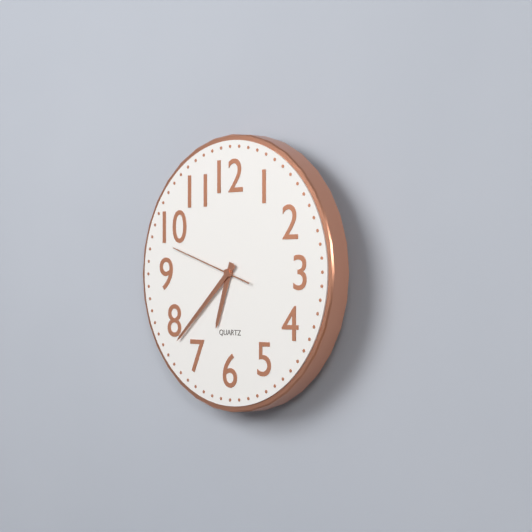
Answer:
6h38m48s
